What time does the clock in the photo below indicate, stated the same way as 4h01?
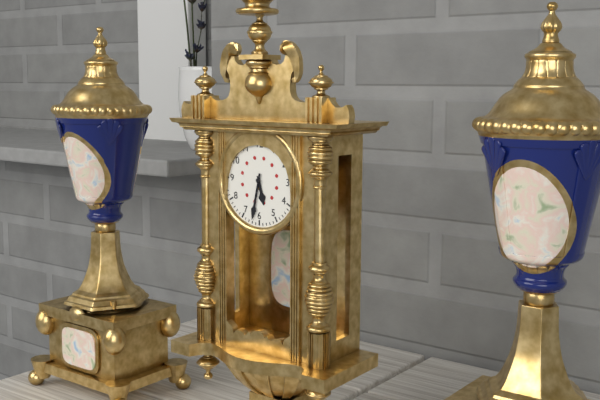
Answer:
5h32
